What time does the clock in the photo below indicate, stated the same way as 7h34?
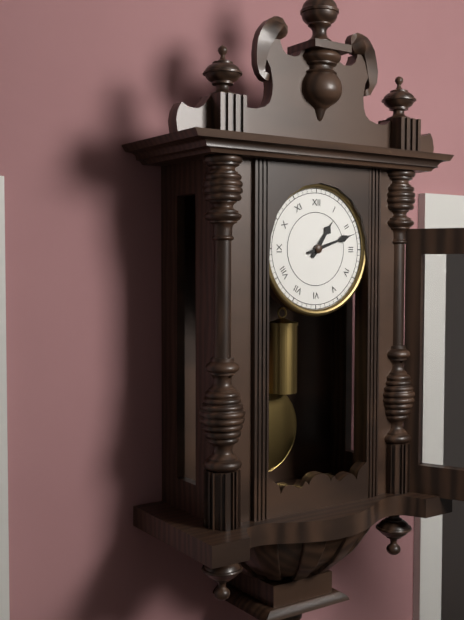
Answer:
1h12
